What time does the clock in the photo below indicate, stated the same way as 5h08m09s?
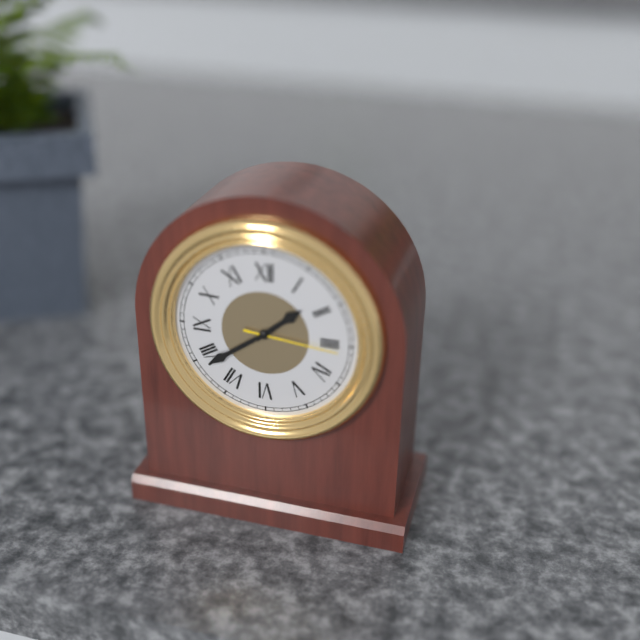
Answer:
1h39m16s
